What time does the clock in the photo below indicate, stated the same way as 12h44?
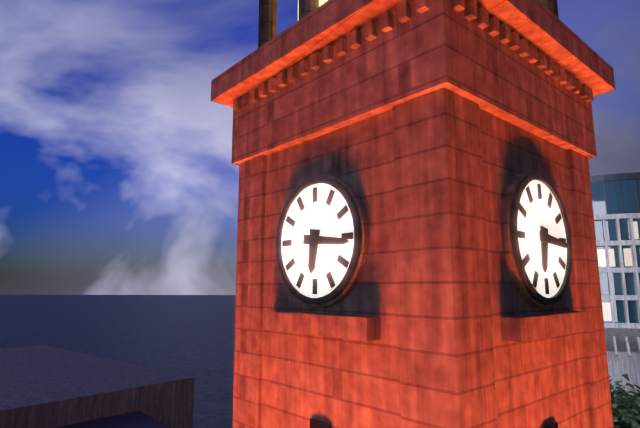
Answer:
6h16
